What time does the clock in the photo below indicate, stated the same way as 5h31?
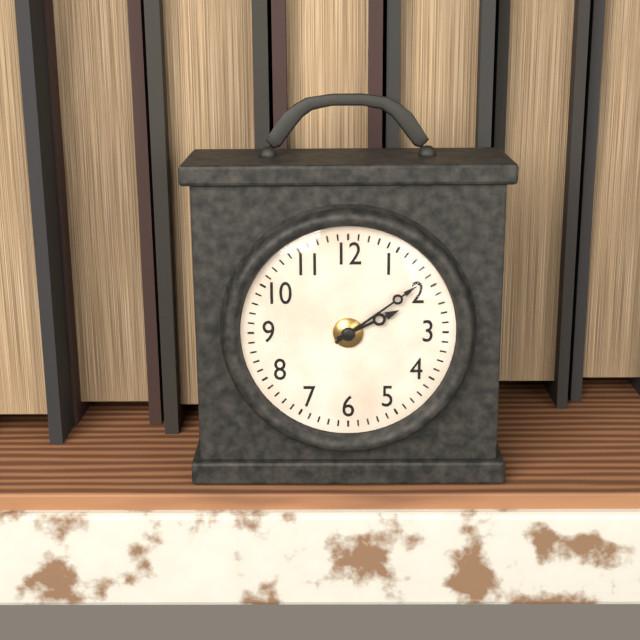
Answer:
2h09
